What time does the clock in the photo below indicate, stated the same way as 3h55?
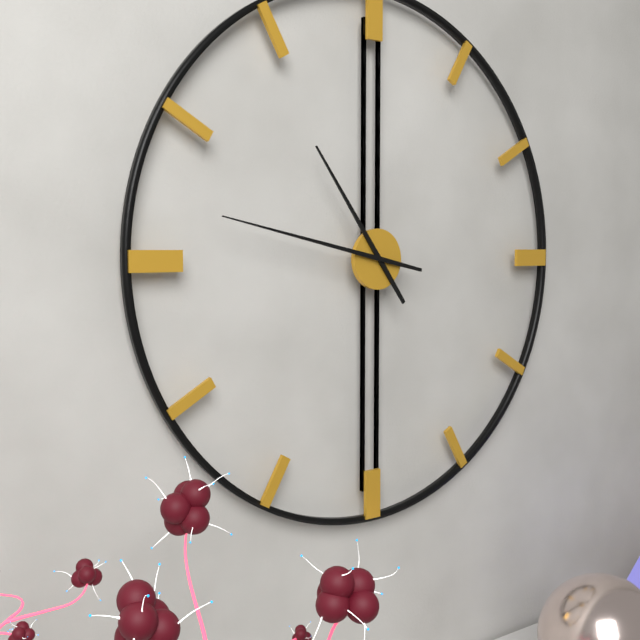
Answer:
10h47
